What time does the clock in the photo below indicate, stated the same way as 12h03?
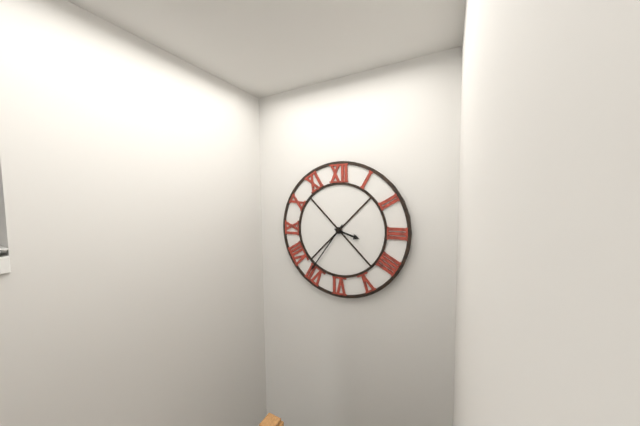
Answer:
3h36
